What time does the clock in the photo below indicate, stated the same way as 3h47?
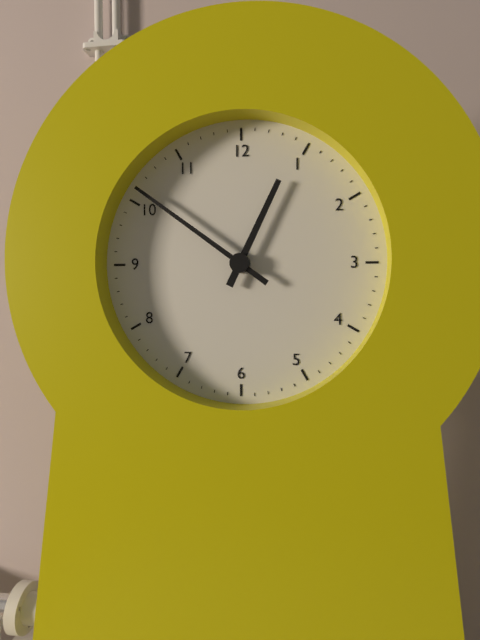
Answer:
12h51
